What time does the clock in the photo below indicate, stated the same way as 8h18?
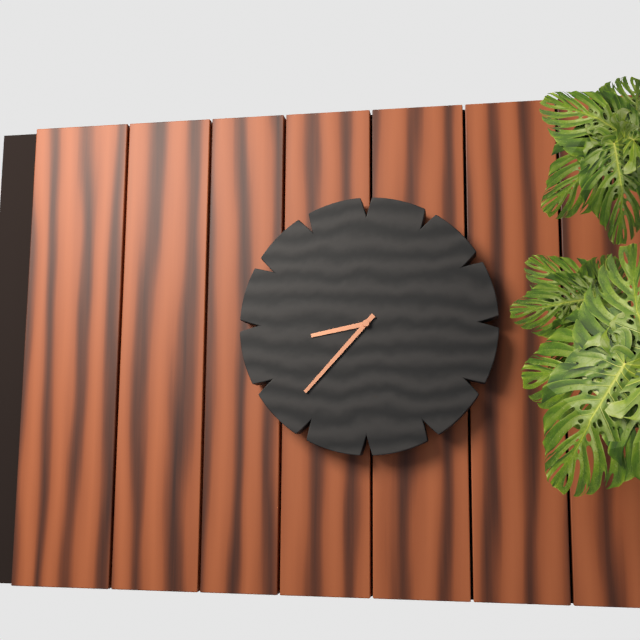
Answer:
8h37
